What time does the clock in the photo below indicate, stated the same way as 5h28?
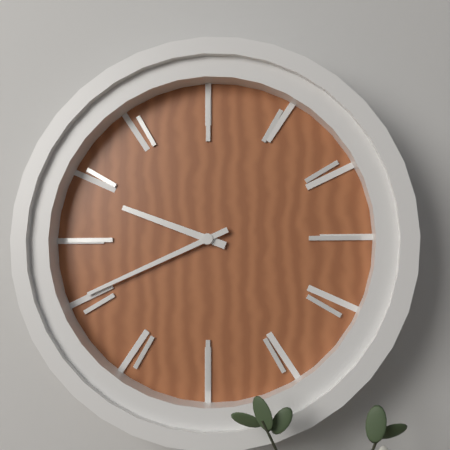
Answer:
9h41
